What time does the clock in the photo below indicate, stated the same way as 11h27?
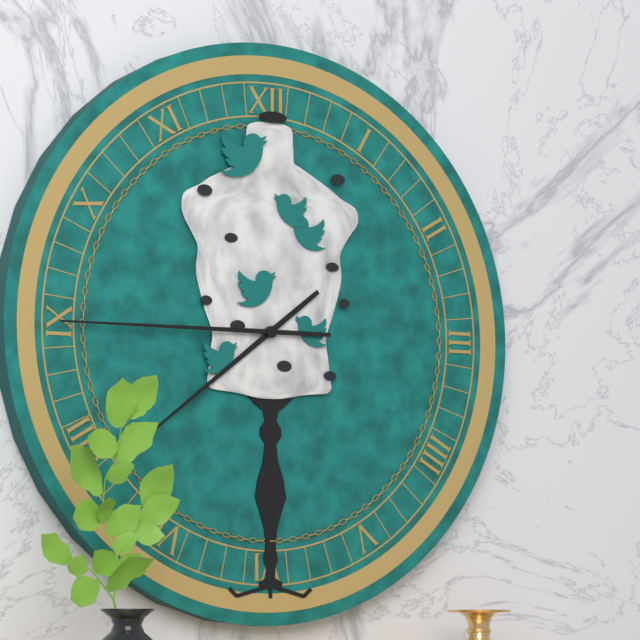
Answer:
7h45
